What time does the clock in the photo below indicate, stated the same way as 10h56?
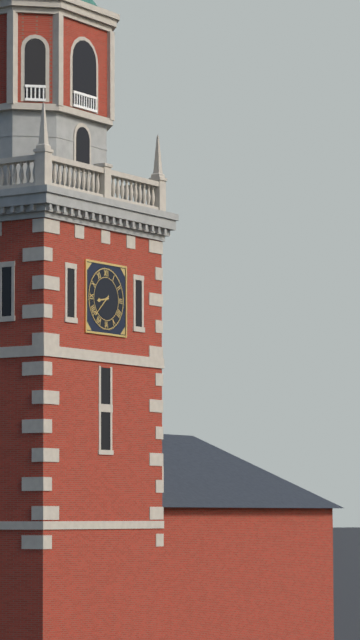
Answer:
8h38
